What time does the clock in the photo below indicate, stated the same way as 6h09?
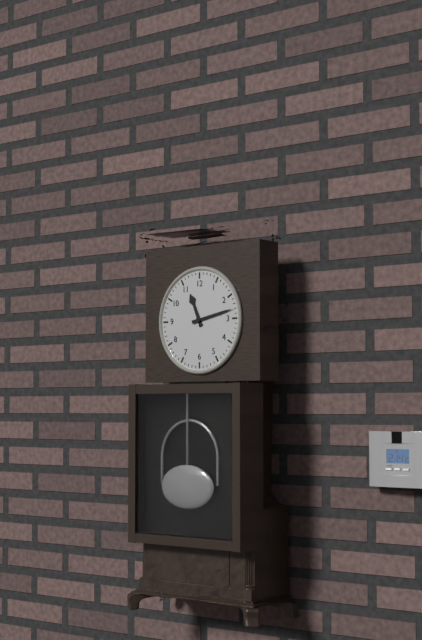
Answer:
11h13
